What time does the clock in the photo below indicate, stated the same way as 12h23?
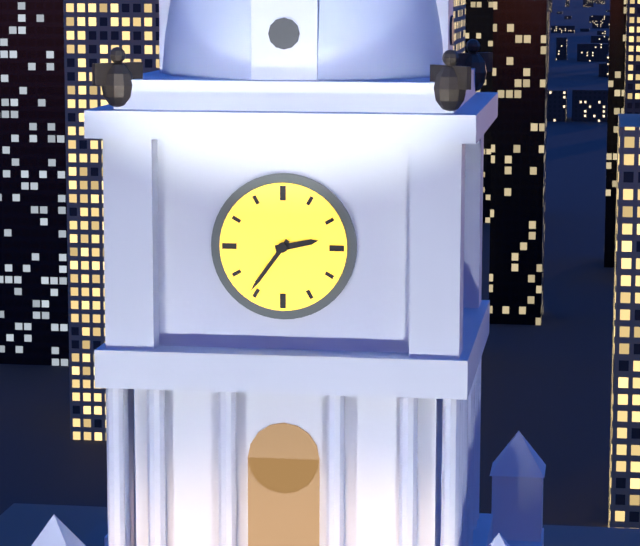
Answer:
2h36
